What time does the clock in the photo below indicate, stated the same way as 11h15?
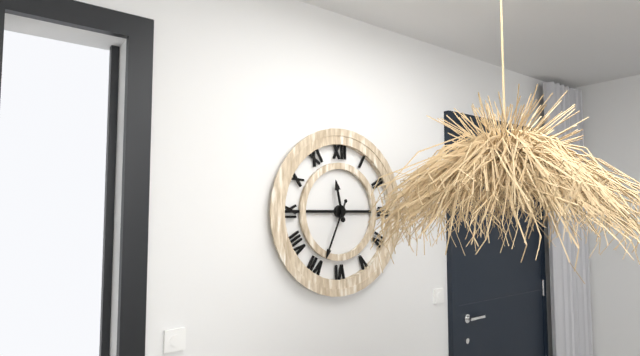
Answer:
11h34
